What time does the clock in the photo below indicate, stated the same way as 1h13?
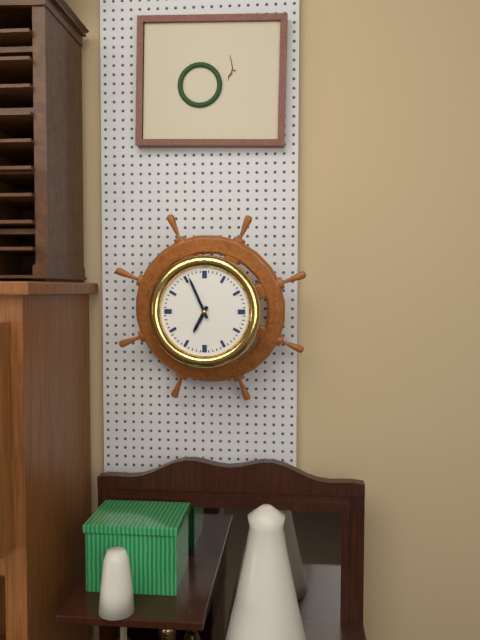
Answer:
6h56
